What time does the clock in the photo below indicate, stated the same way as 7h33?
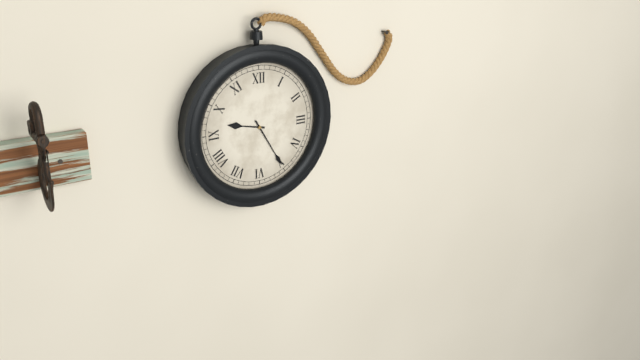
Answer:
9h25
